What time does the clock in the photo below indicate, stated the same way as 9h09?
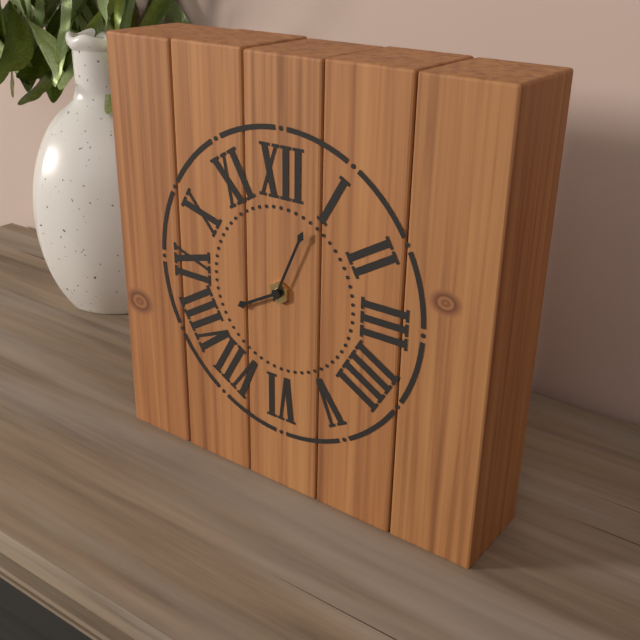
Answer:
8h04
